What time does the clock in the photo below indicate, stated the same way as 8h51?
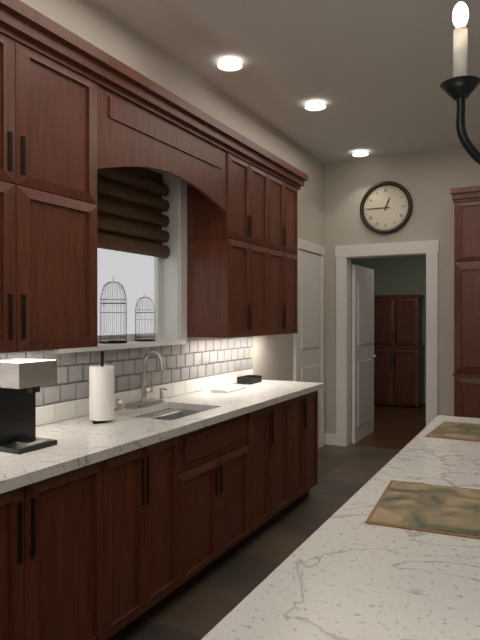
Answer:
12h45
